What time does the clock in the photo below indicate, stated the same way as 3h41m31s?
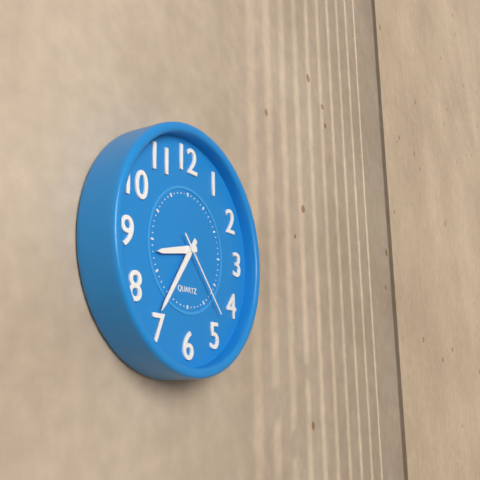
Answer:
8h36m23s
